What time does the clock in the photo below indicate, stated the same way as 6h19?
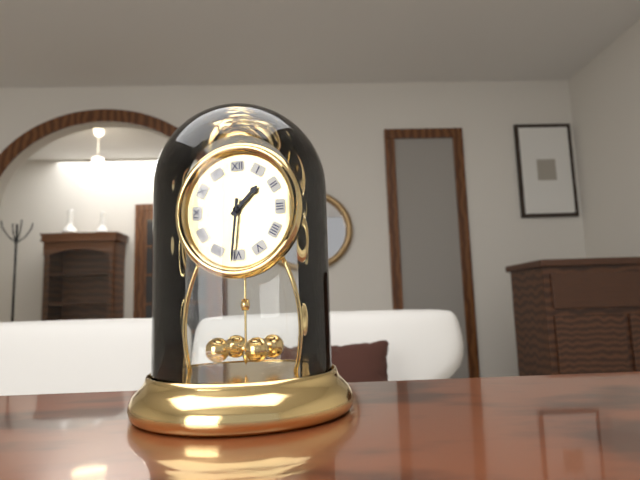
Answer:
1h31
